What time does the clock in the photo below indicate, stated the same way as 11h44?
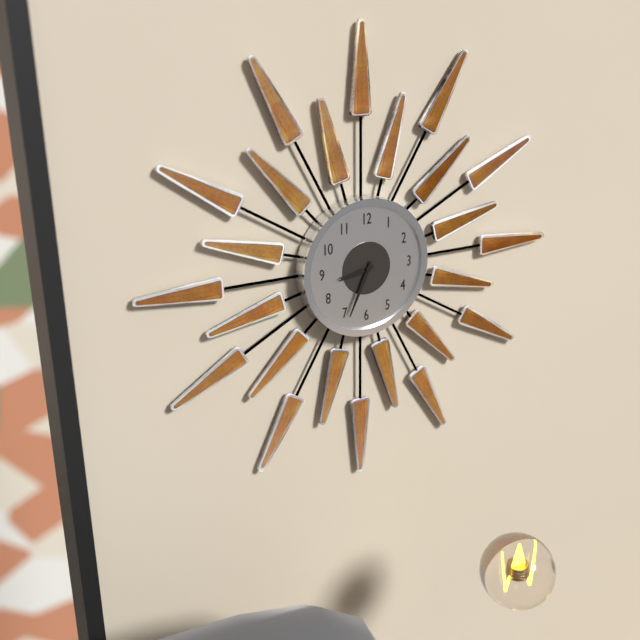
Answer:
8h34
